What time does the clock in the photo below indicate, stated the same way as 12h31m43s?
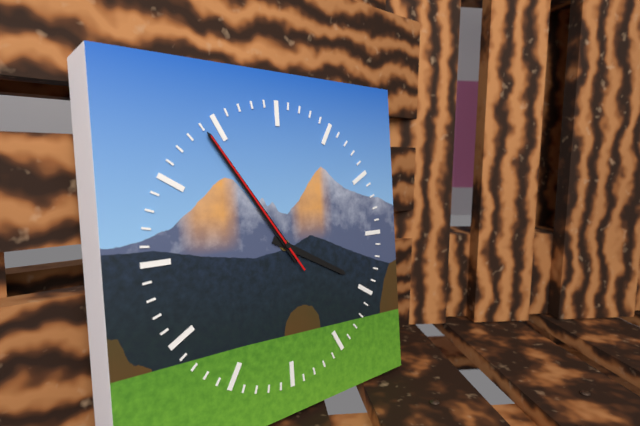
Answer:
3h54m54s
